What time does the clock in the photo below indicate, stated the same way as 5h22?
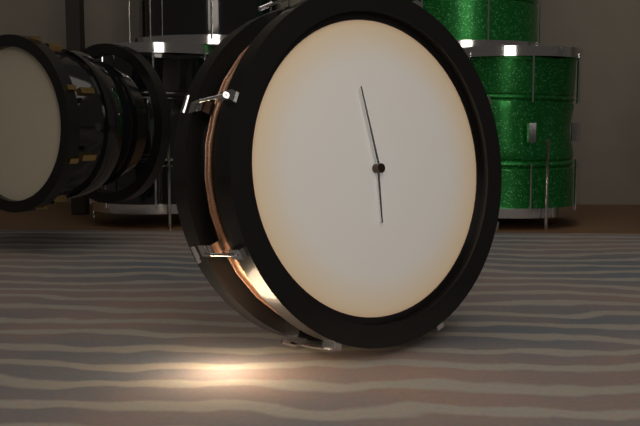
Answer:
5h58
